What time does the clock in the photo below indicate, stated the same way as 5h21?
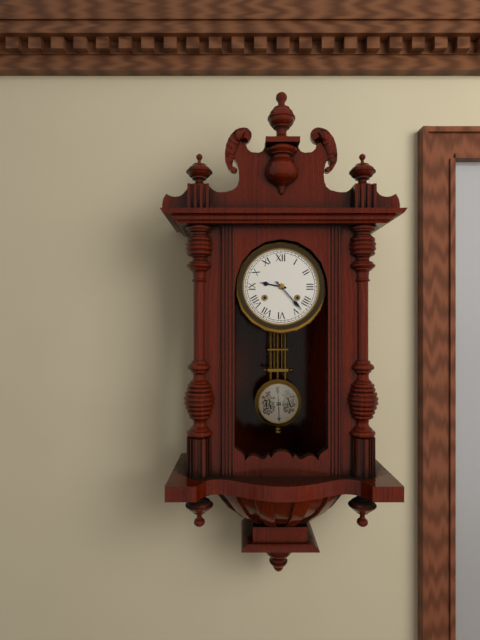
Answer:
9h23
